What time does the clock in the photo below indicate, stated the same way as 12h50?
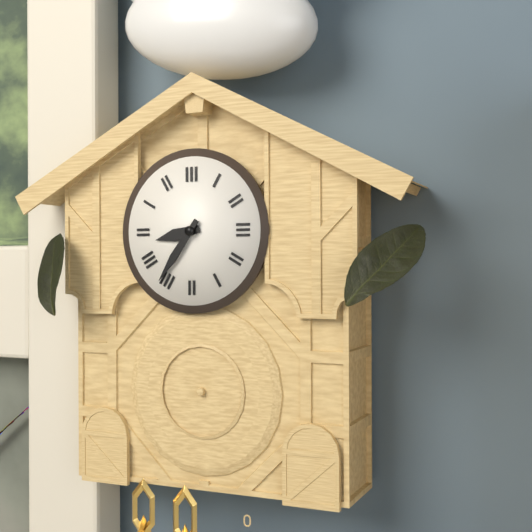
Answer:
8h36
